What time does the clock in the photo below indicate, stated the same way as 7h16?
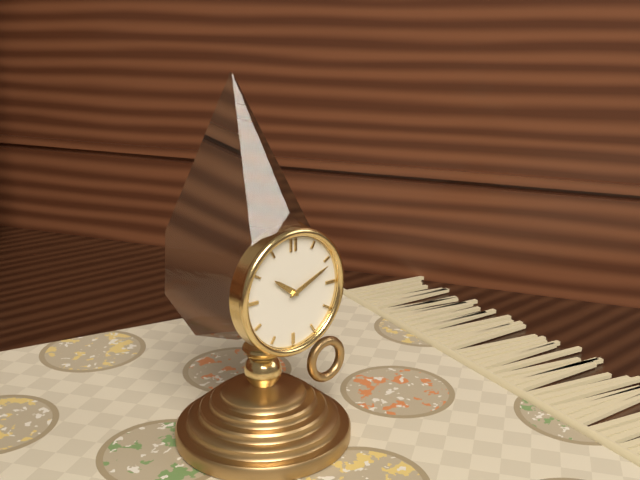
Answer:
10h11
